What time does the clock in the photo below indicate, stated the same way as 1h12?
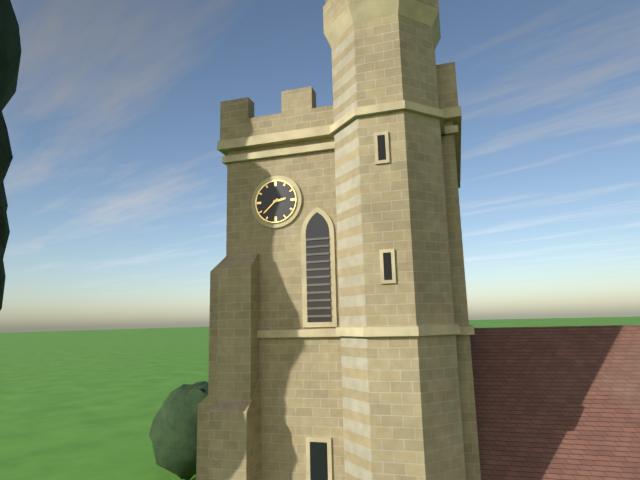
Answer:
2h38
